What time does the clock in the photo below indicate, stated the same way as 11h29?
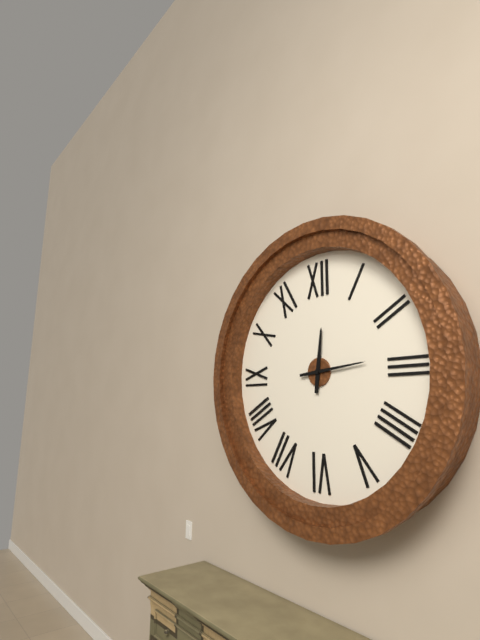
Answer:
12h14
